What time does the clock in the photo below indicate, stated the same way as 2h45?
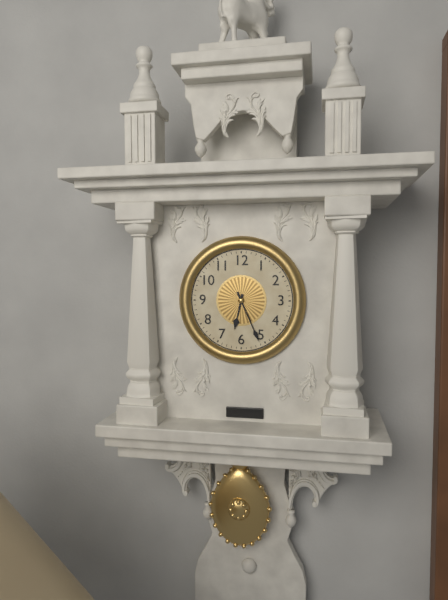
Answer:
6h26
